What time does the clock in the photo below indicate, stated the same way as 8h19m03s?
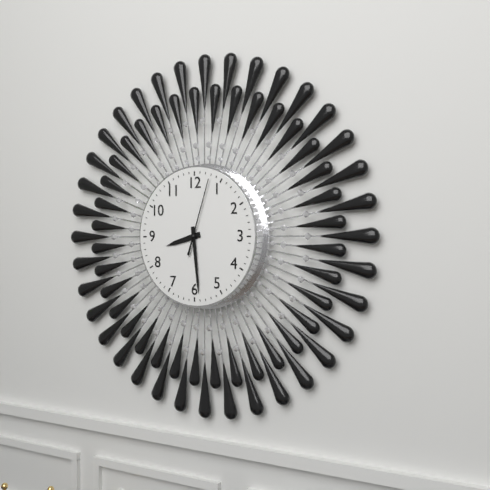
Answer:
8h29m03s
